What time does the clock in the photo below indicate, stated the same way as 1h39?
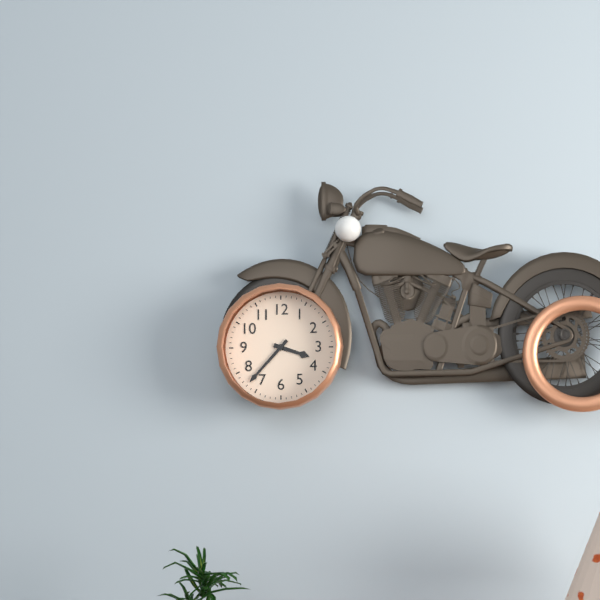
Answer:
3h37
